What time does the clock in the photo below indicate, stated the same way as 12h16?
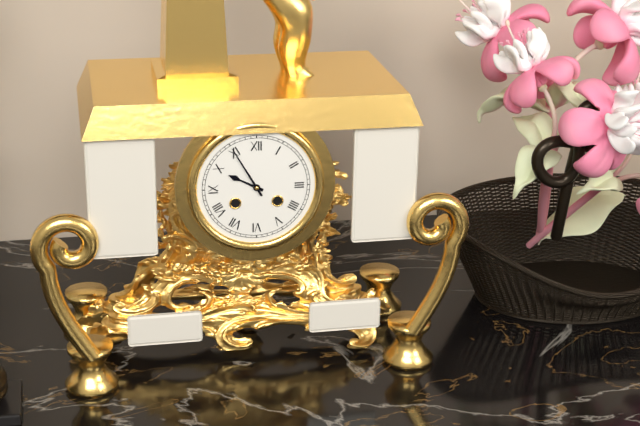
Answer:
9h55
